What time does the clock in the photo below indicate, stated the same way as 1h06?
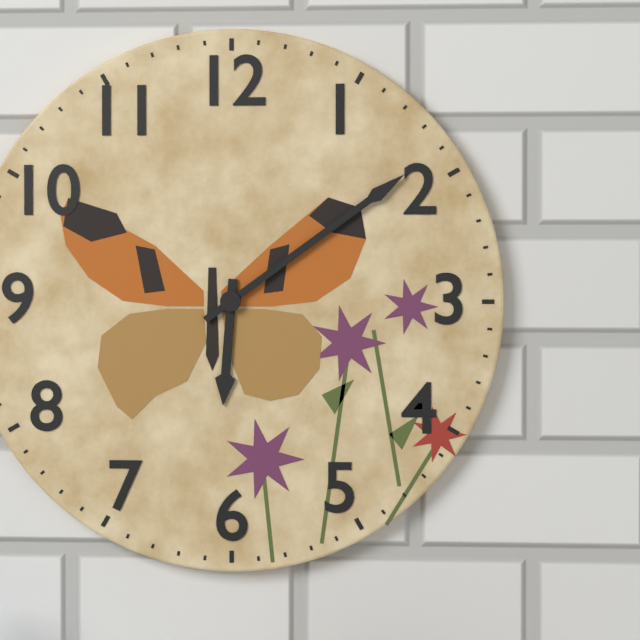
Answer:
6h09
